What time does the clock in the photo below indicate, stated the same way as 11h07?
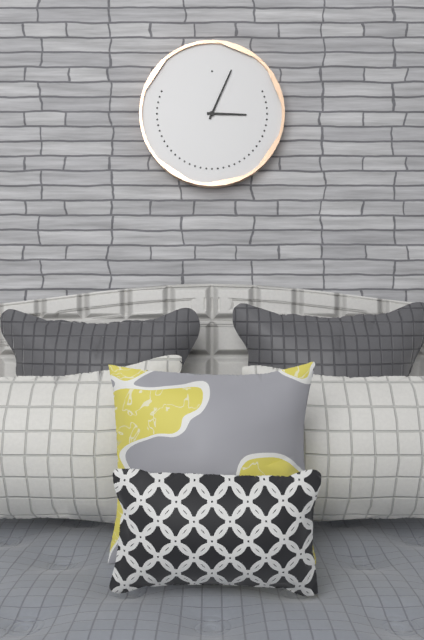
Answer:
3h04
